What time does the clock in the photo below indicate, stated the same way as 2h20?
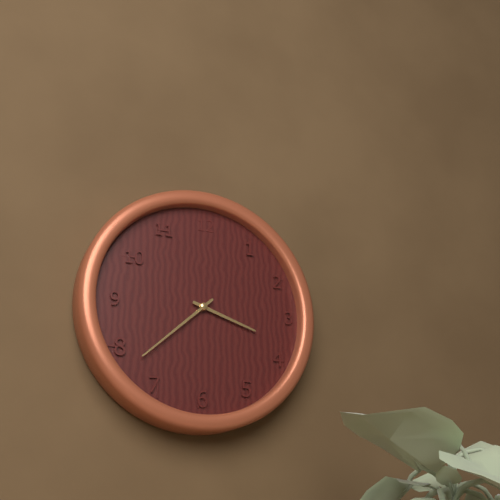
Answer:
3h38
